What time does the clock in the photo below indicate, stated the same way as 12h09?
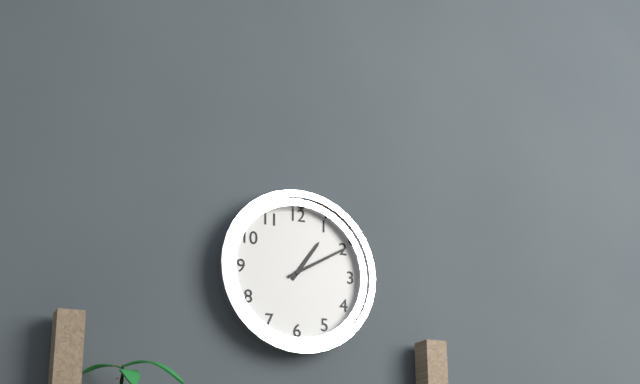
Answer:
1h10
